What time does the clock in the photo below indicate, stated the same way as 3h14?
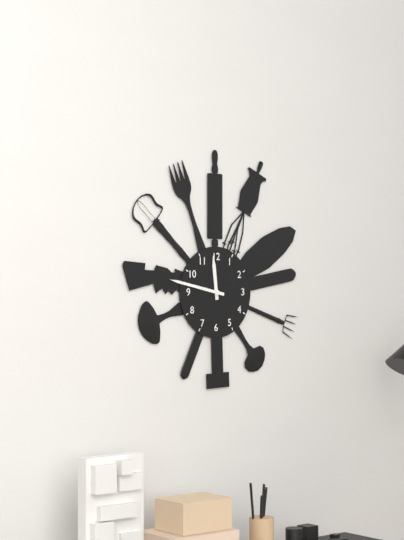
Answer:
11h47
